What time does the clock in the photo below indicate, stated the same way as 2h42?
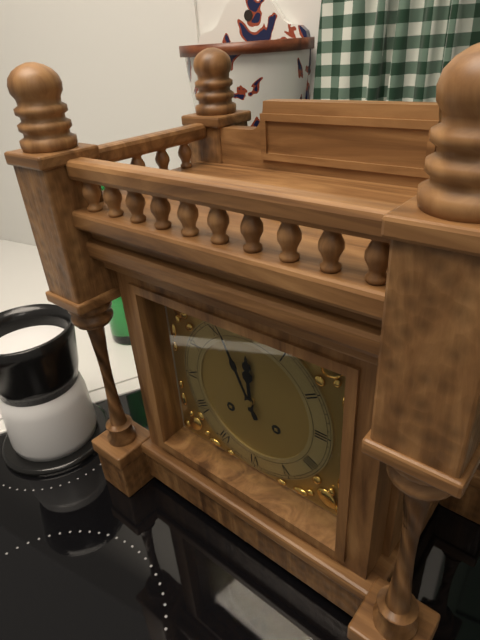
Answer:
11h56
